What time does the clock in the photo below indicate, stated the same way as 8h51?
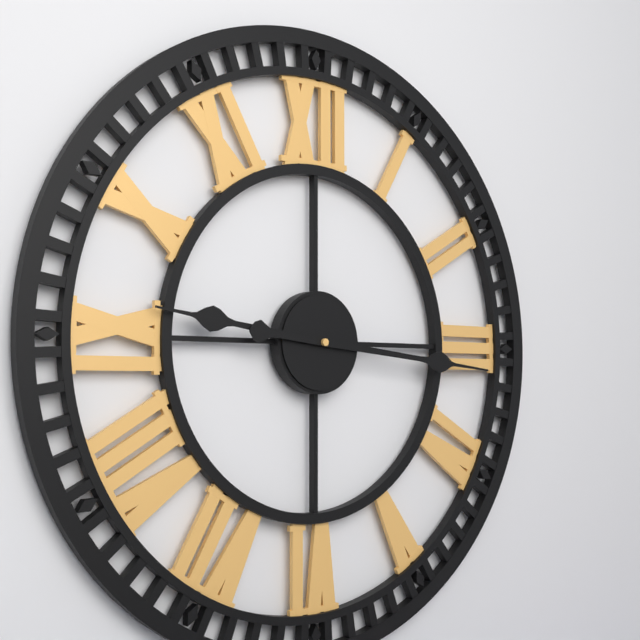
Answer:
9h16
